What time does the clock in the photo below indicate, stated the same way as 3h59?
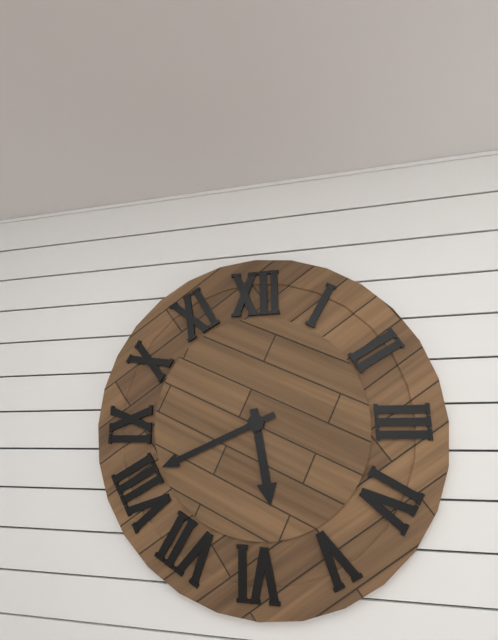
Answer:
5h41
